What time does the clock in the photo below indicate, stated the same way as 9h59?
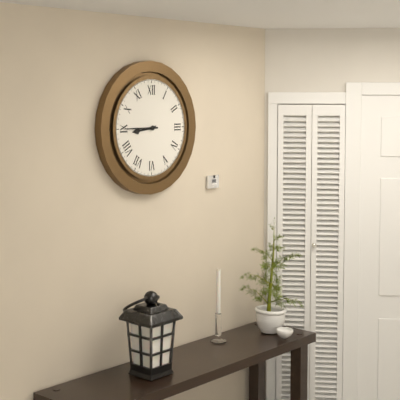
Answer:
8h45
